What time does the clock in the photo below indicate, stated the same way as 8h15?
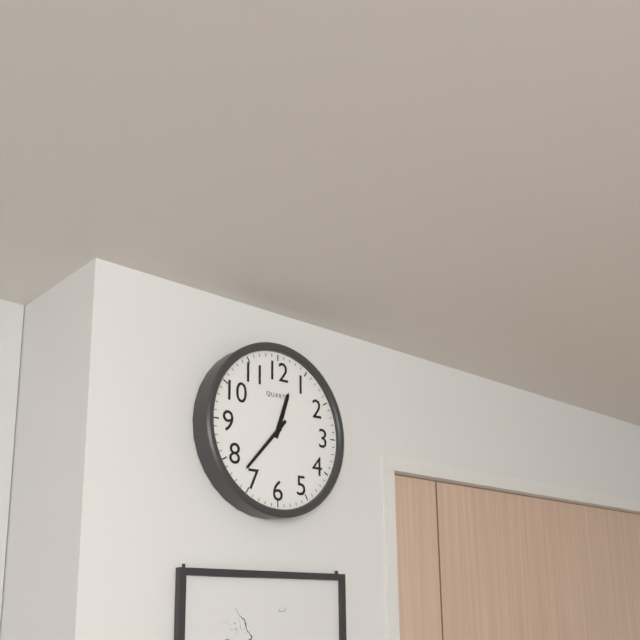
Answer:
12h37
